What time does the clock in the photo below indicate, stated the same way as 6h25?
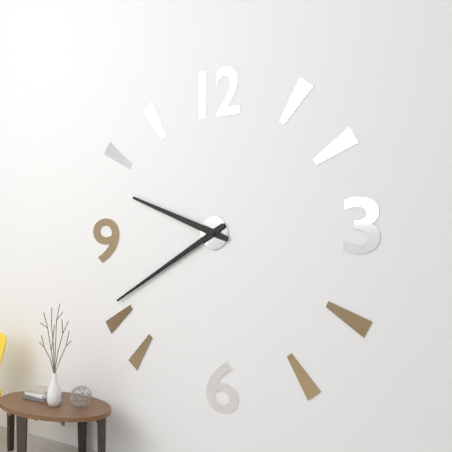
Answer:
9h40
